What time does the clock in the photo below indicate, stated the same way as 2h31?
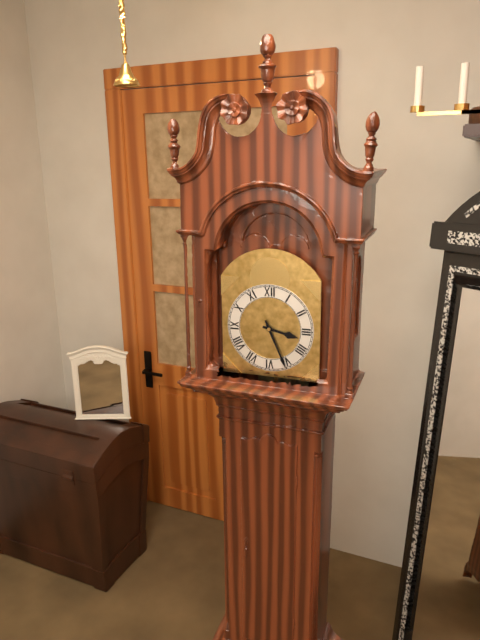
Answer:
3h26
